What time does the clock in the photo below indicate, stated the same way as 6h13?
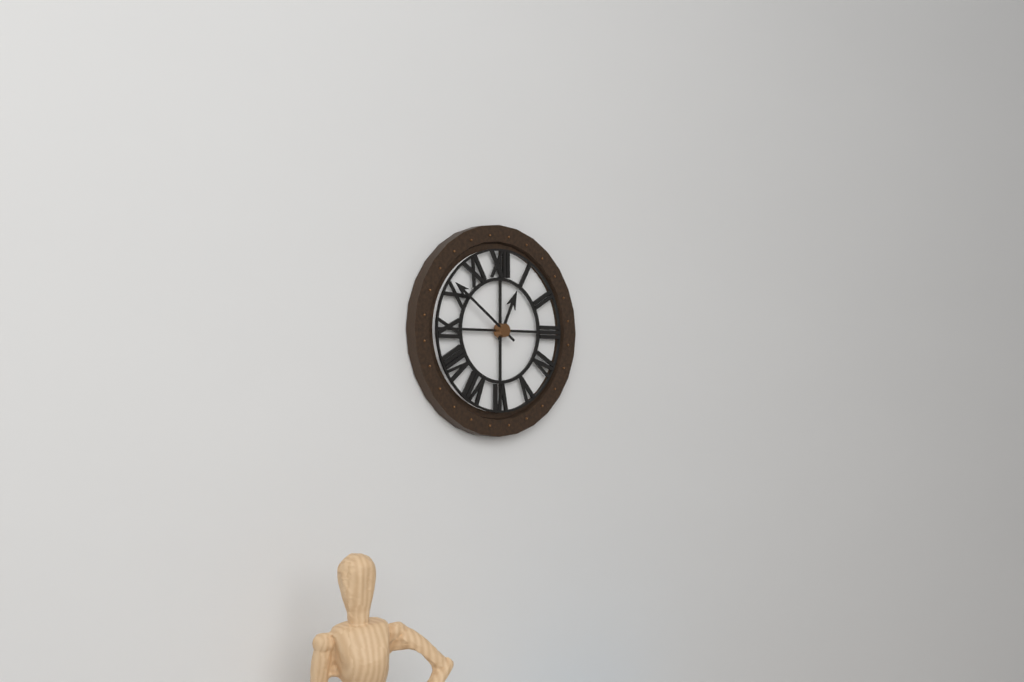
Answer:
12h51
